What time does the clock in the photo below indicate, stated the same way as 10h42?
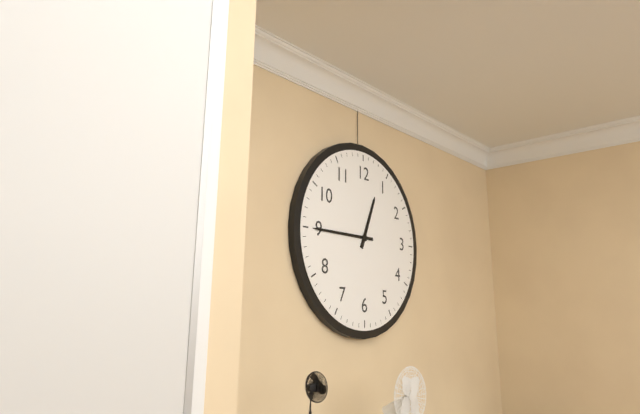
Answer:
12h45
